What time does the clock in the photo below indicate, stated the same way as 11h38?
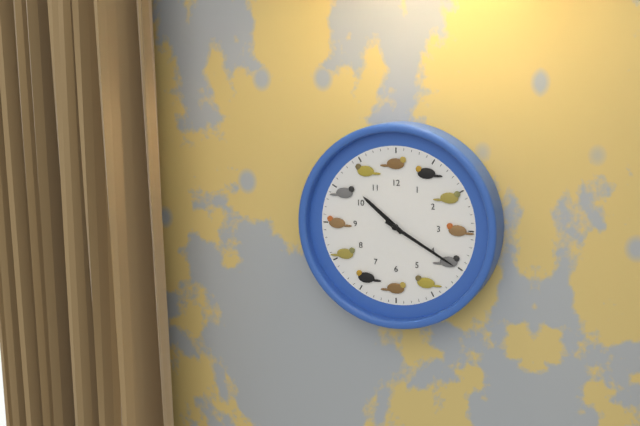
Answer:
10h20
